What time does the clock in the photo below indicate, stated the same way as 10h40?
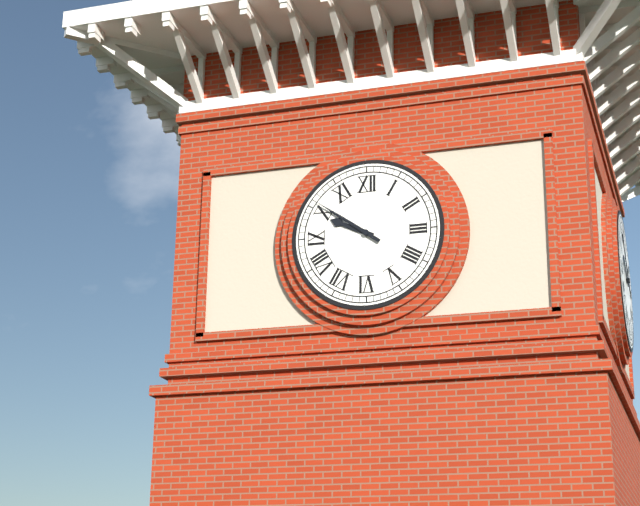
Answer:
9h51
